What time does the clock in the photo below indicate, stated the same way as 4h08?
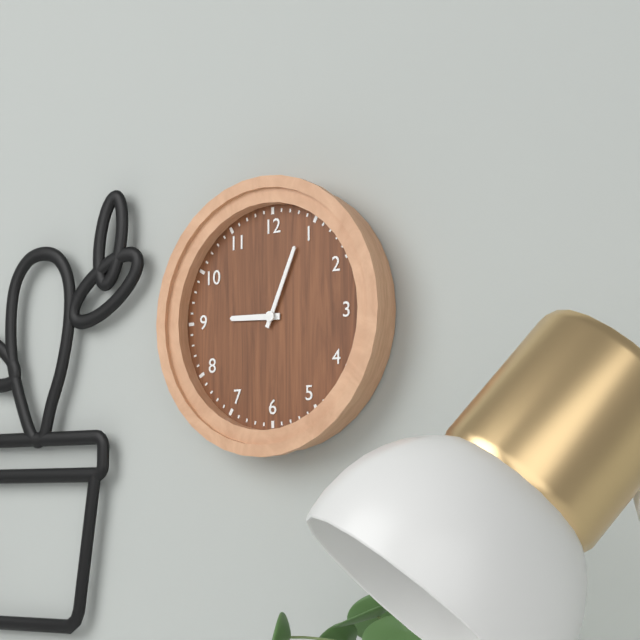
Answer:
9h04
